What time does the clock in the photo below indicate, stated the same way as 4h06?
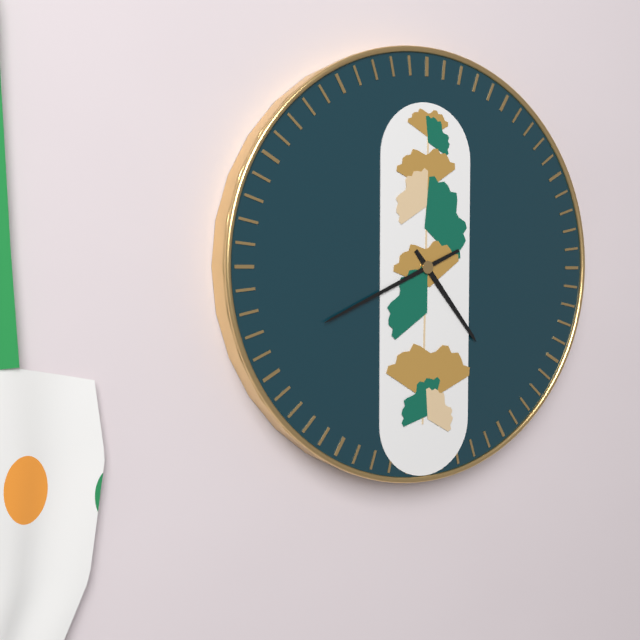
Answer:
4h41
